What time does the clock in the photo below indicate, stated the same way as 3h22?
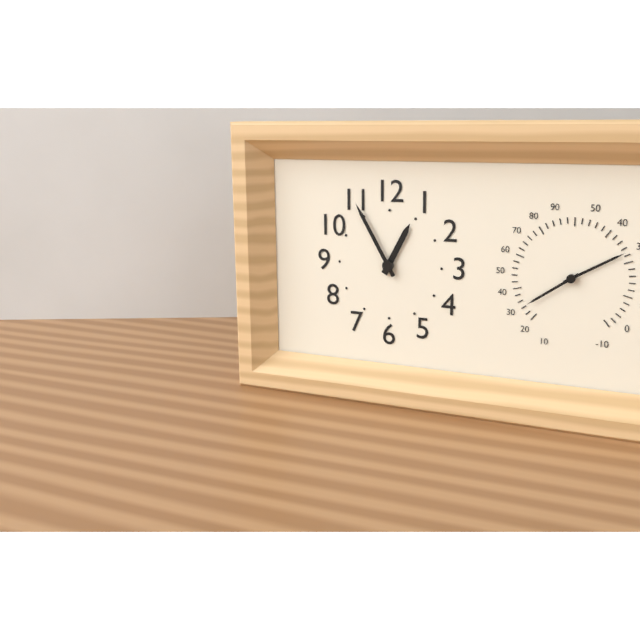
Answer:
12h55
